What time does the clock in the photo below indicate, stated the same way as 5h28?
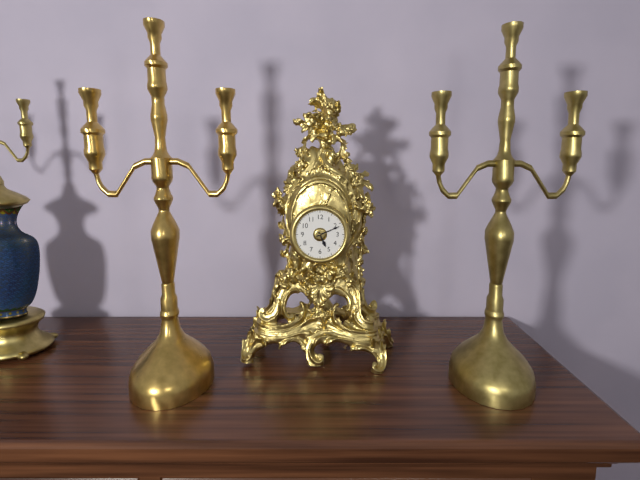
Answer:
5h11
